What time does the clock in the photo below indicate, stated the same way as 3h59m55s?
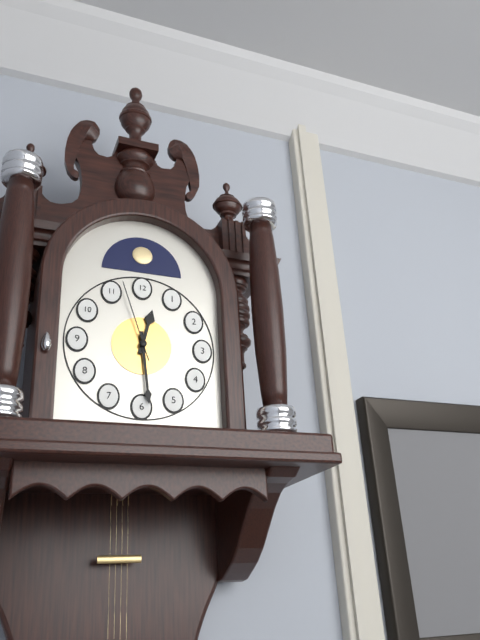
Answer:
12h29m57s
